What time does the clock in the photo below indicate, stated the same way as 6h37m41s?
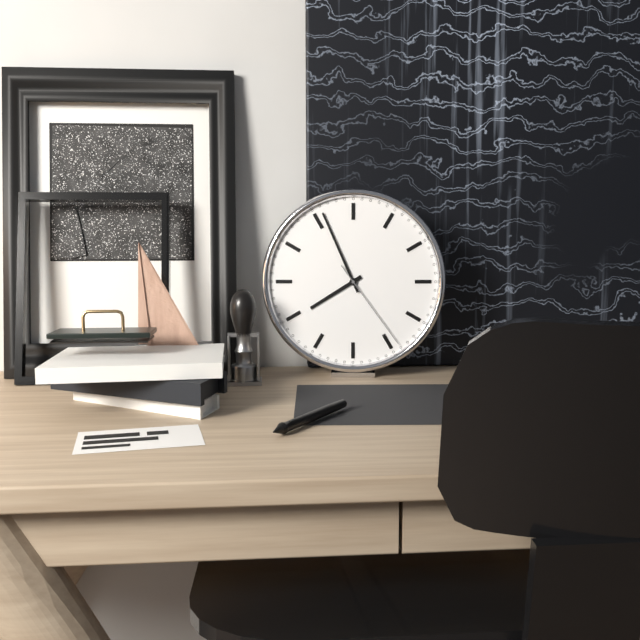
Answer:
7h56m24s
